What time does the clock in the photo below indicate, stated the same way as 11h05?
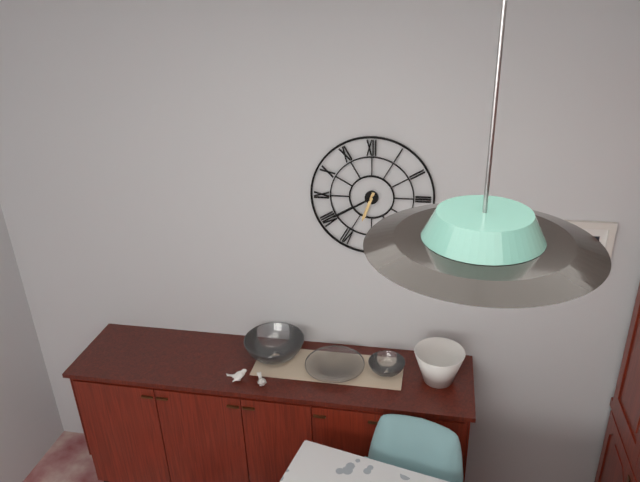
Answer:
6h40
